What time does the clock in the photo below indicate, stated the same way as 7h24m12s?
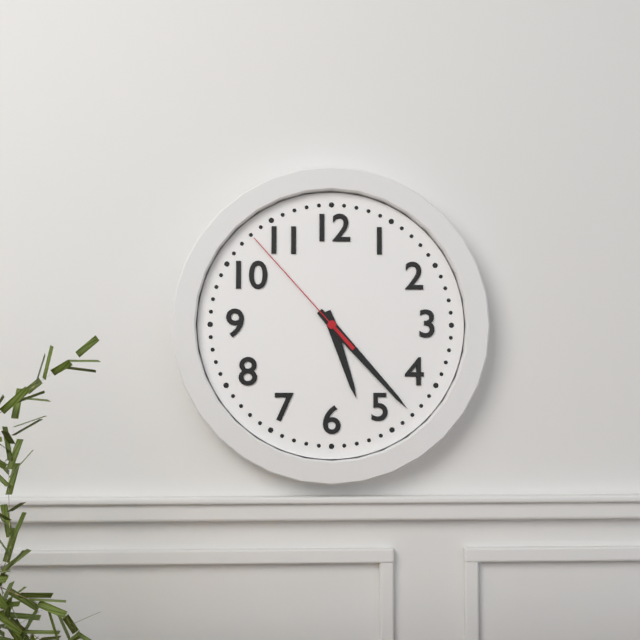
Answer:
5h23m53s
